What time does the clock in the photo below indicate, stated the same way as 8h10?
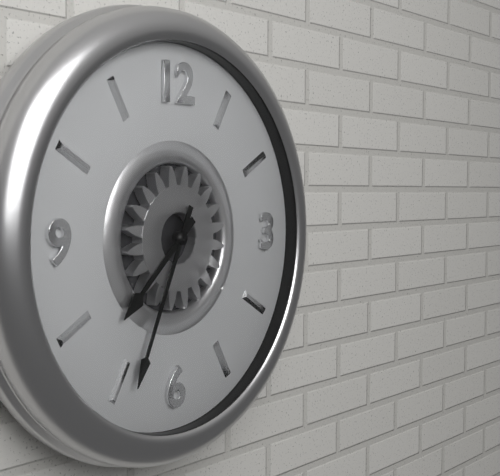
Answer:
7h34
